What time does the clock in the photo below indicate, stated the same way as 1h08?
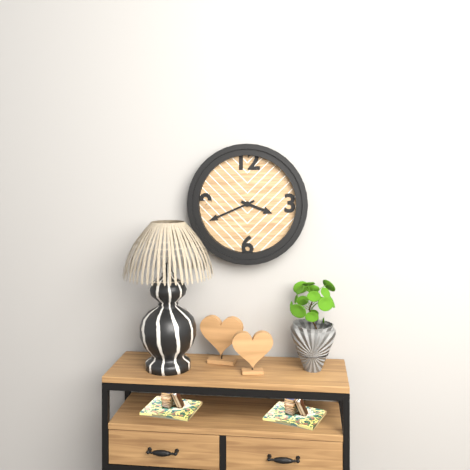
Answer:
3h41
